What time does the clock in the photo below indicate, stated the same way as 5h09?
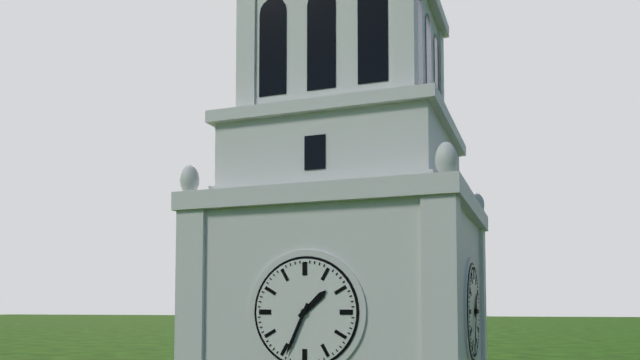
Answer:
1h34
